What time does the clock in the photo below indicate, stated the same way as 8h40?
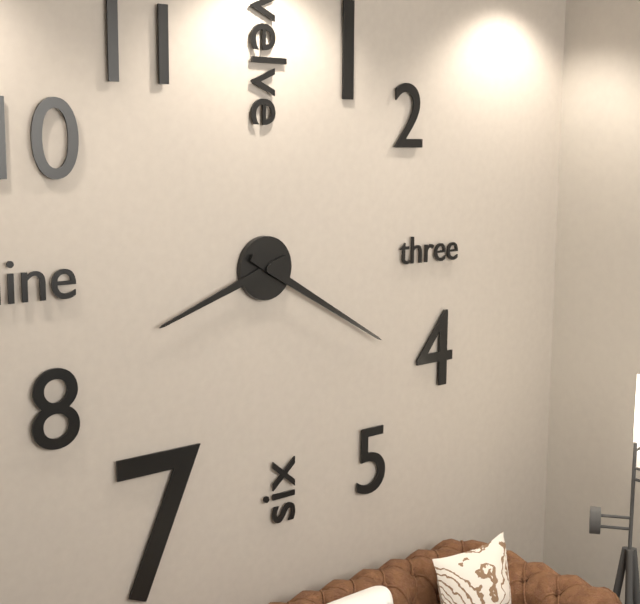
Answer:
8h20
